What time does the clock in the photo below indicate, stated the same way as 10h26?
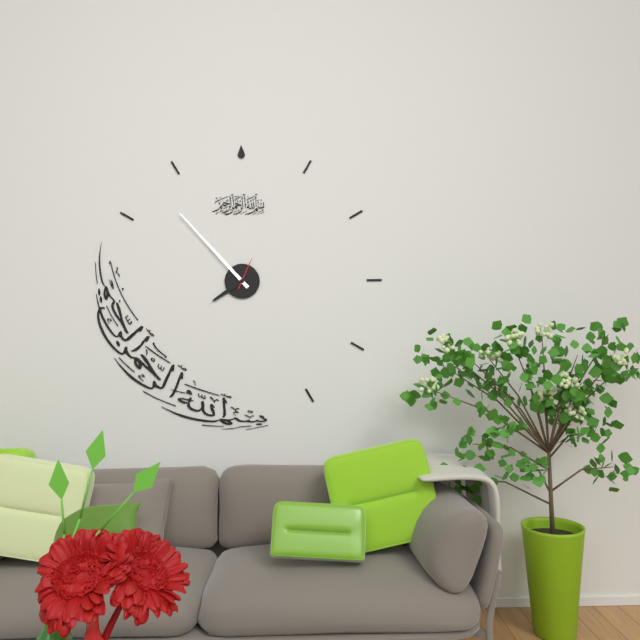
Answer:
7h53
